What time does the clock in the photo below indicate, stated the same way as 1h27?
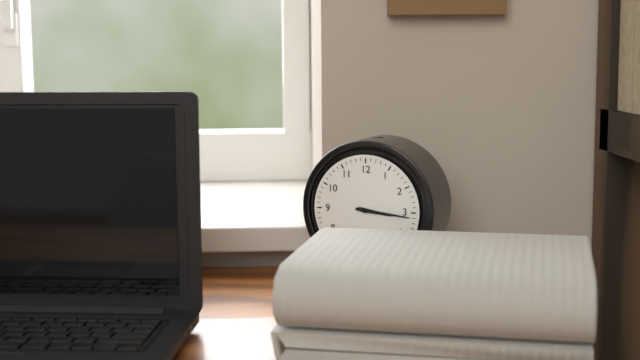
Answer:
3h16
